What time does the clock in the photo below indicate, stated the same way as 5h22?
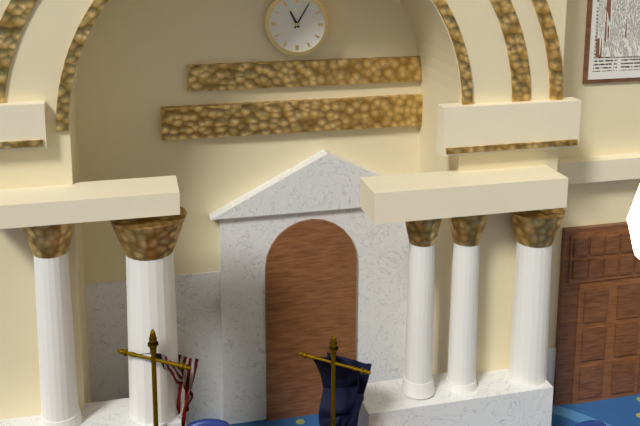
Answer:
11h05
